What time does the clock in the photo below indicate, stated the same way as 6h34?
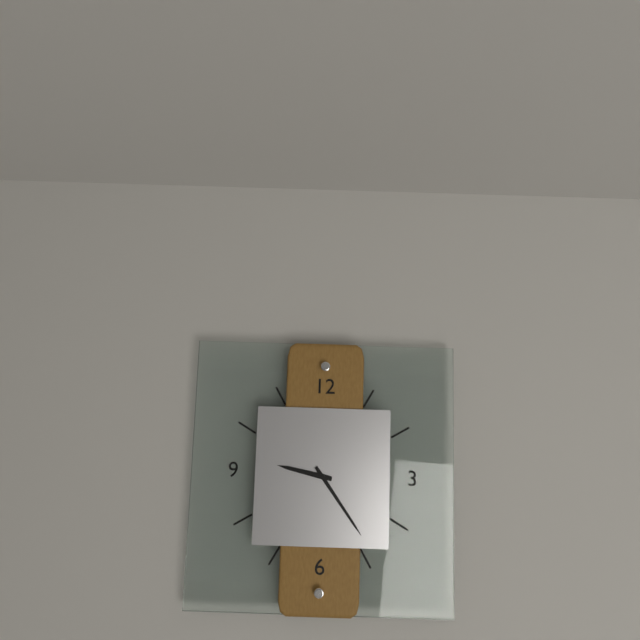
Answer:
9h24
